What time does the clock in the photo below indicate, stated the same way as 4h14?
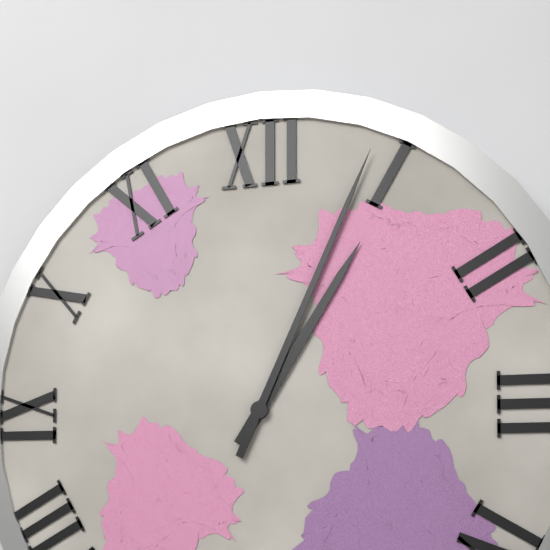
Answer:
1h04
